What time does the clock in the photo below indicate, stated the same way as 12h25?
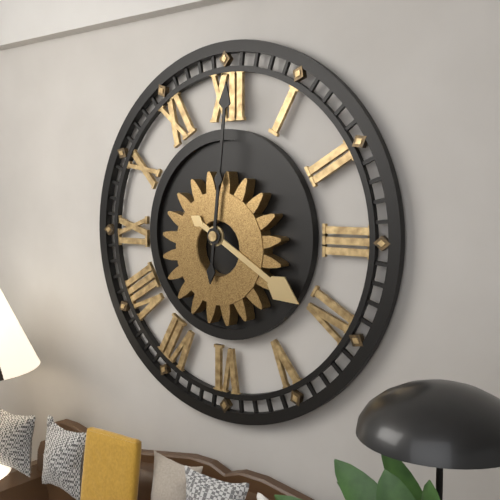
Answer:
4h01
